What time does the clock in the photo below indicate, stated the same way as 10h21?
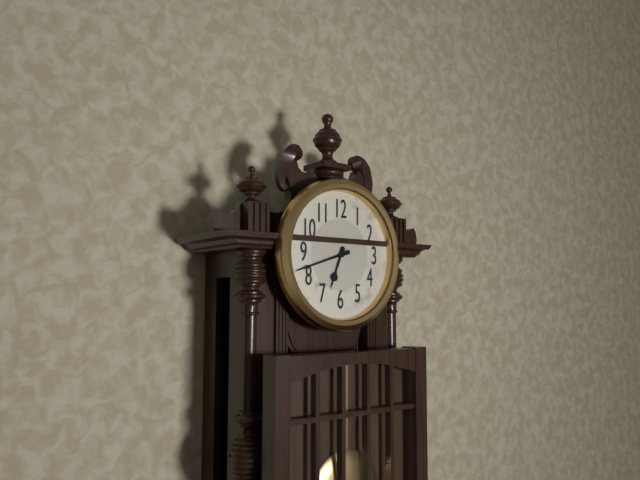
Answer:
6h42
